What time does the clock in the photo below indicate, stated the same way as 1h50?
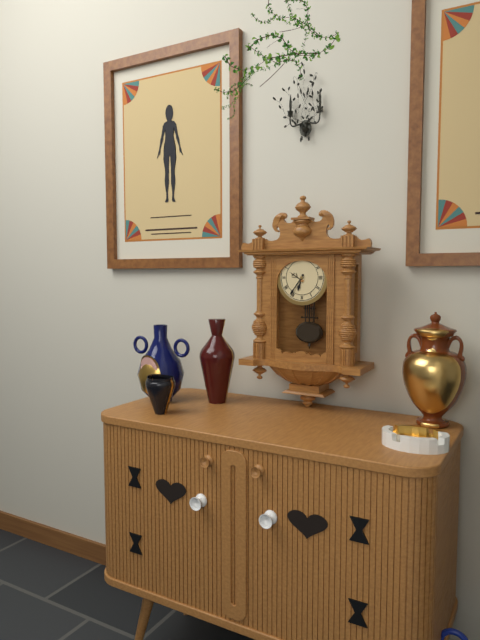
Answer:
6h36
